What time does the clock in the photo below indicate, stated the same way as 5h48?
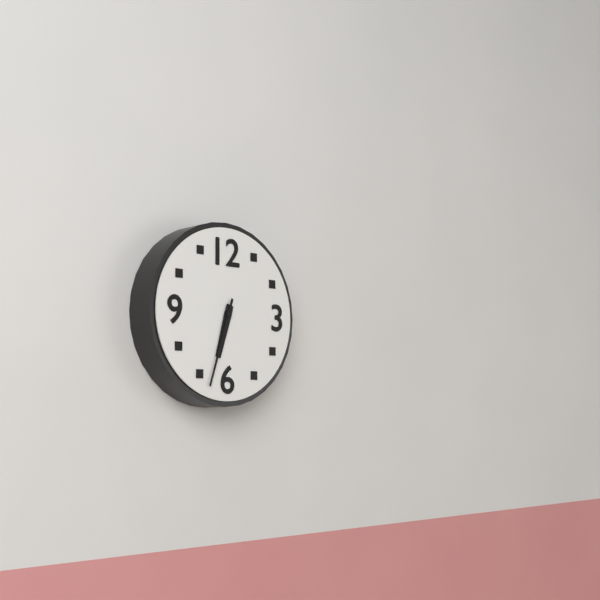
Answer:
6h33
